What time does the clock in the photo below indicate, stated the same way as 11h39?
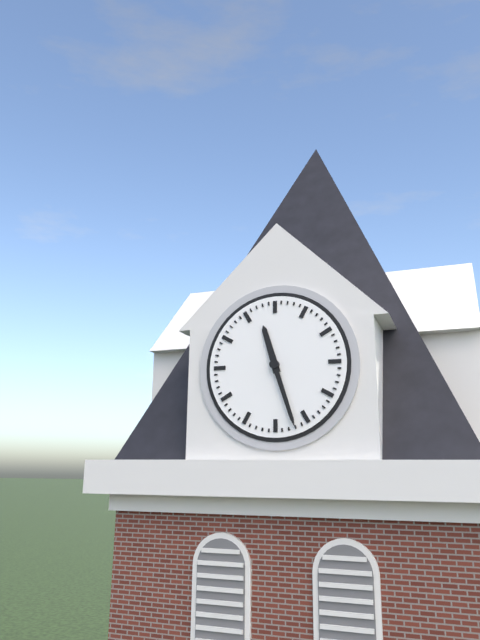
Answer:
11h27
